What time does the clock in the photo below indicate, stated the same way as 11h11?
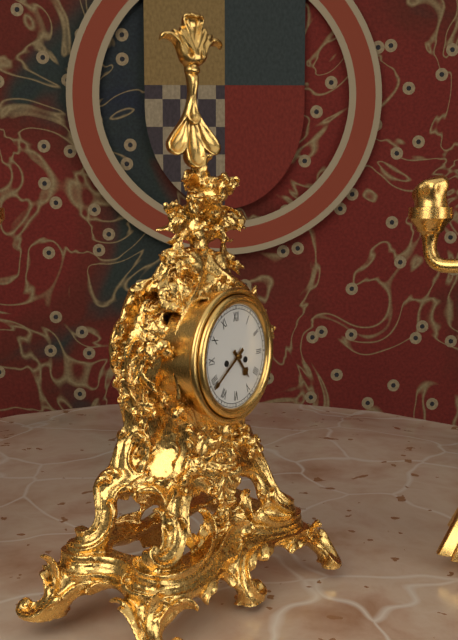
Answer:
4h39
